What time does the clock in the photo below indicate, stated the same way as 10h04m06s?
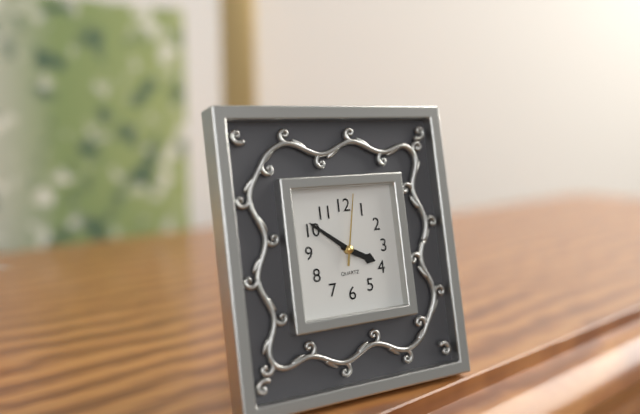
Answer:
3h51m02s
